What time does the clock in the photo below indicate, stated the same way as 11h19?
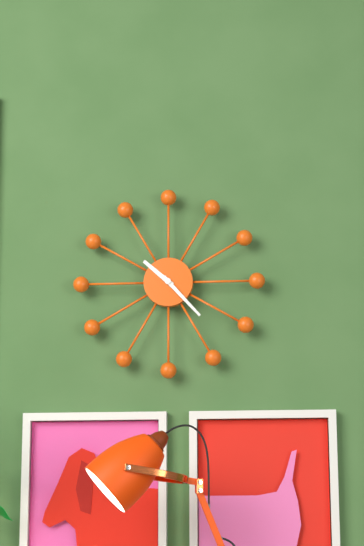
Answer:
10h23
